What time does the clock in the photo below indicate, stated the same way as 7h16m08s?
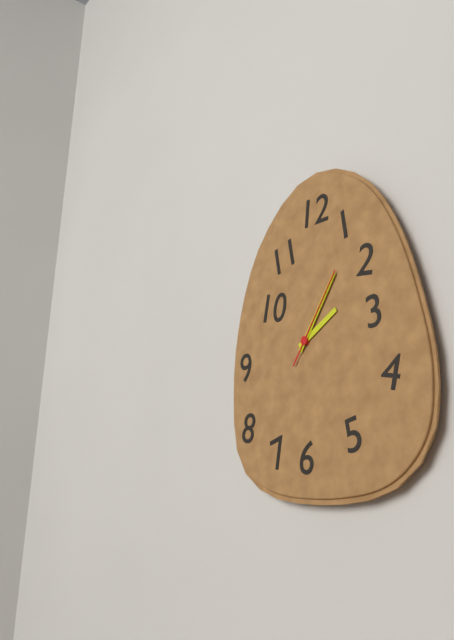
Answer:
2h06m06s
